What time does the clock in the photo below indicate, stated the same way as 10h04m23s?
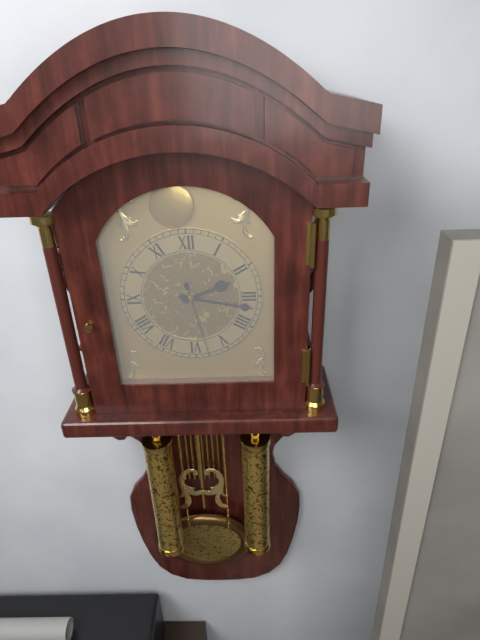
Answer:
2h17m28s
